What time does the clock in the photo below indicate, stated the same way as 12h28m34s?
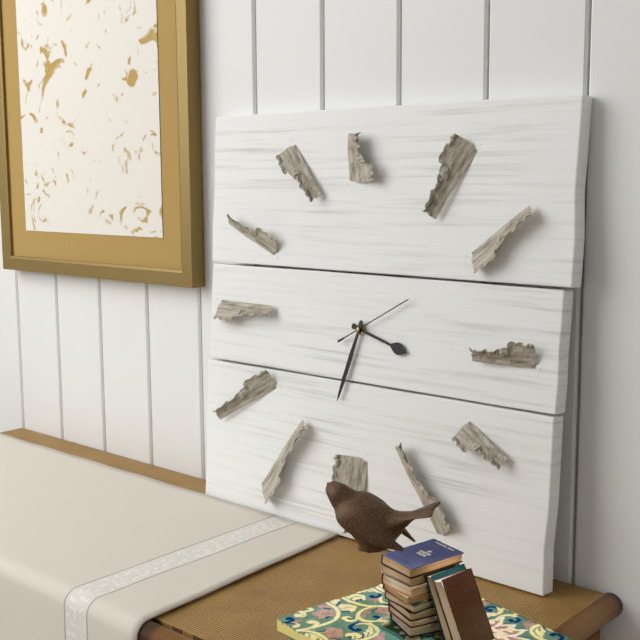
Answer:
3h33m10s
